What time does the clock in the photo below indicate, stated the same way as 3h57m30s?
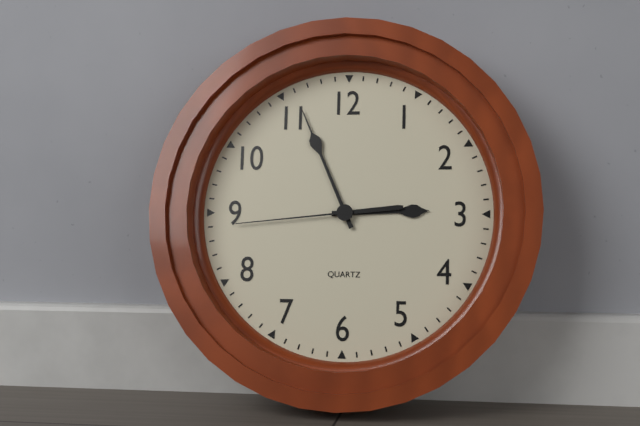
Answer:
2h56m44s
